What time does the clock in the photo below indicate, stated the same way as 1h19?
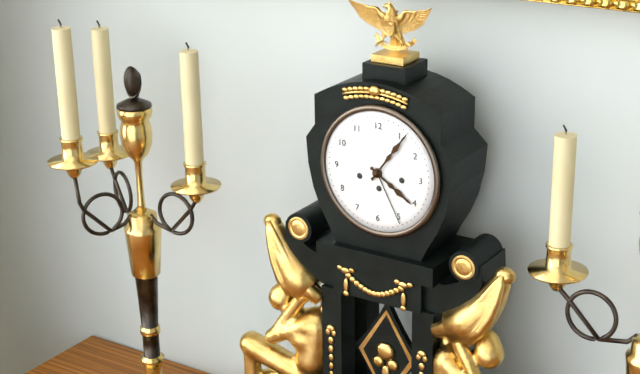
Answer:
4h06
